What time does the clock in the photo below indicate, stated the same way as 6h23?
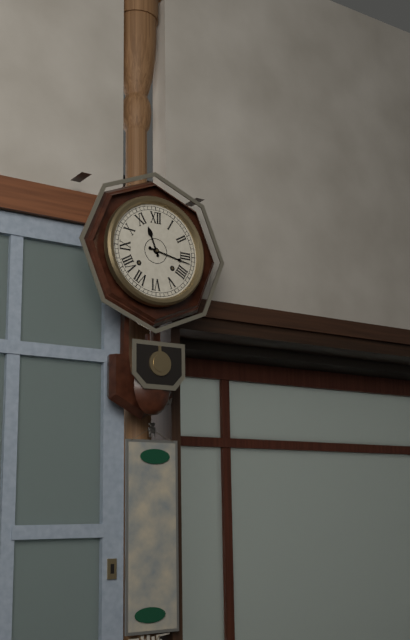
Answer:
11h17
